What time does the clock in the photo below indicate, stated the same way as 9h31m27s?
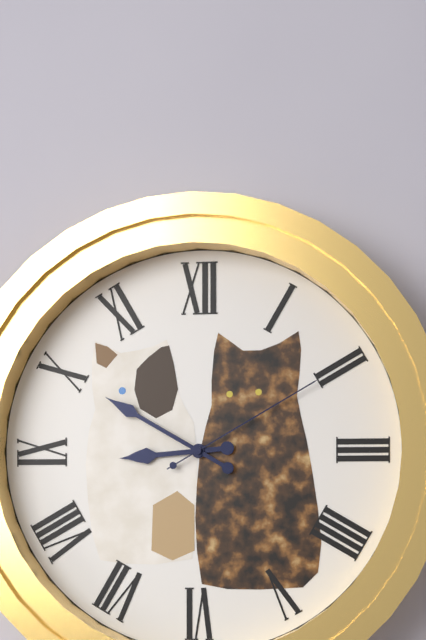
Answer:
8h50m10s
